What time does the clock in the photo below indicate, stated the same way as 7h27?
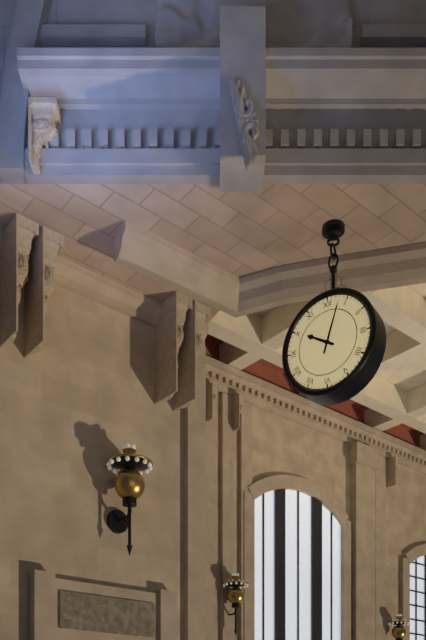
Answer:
10h03
